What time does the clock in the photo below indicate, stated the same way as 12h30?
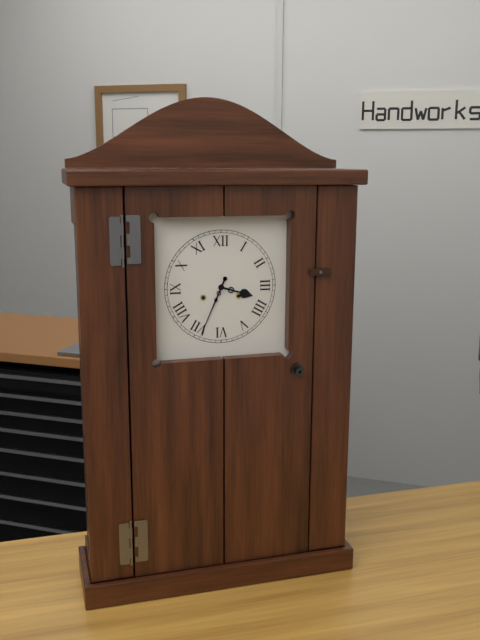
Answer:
3h34
